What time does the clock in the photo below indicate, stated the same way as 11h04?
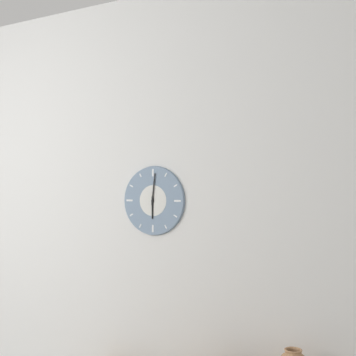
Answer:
6h01
